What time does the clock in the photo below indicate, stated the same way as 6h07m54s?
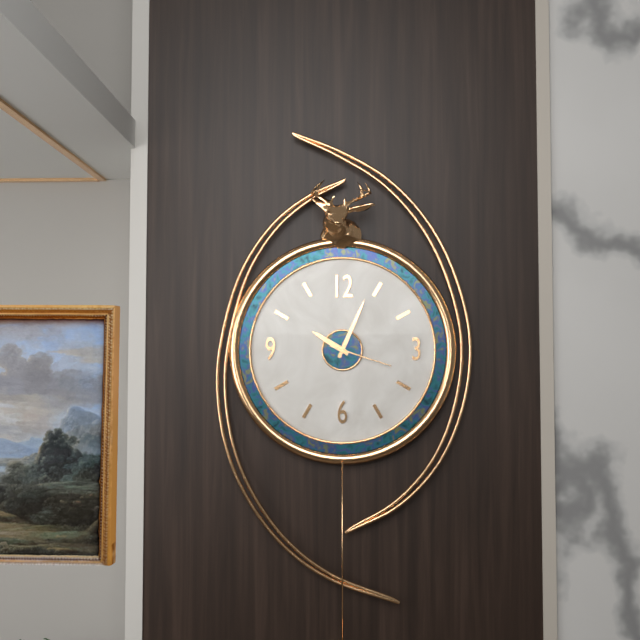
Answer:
10h04m18s
